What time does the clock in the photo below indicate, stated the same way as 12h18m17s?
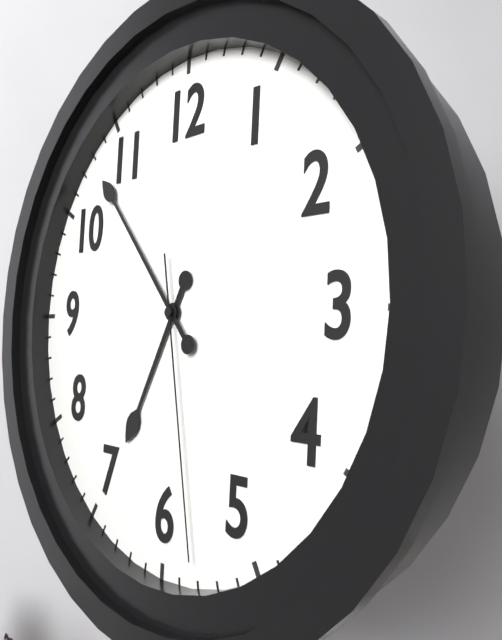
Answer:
6h53m28s
